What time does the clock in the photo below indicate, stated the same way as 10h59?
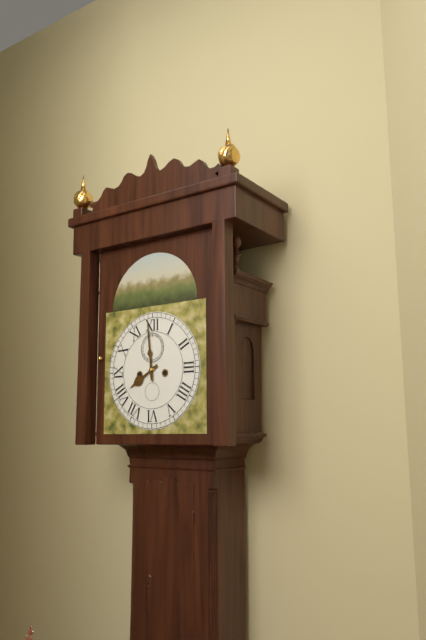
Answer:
7h59
